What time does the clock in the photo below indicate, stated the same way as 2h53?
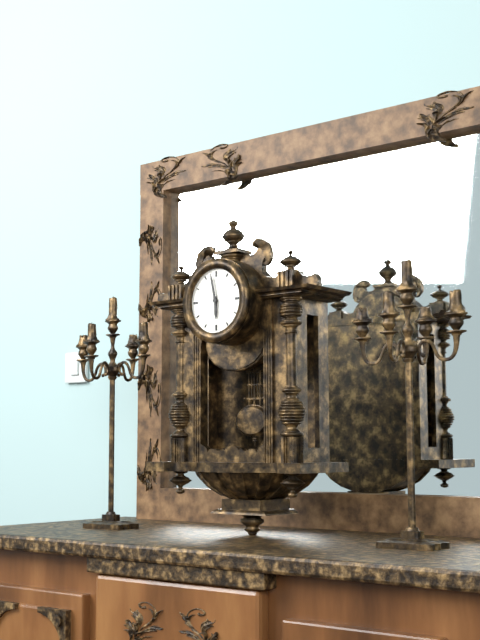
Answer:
5h58
